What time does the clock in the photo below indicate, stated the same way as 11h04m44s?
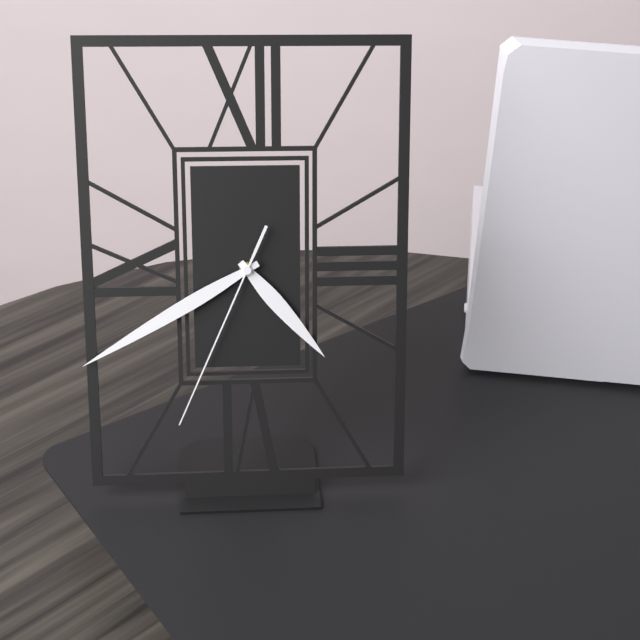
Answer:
4h40m34s
